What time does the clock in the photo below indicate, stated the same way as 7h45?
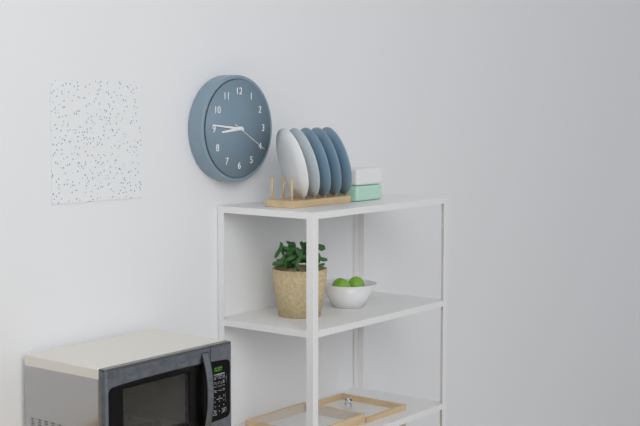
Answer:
8h46
